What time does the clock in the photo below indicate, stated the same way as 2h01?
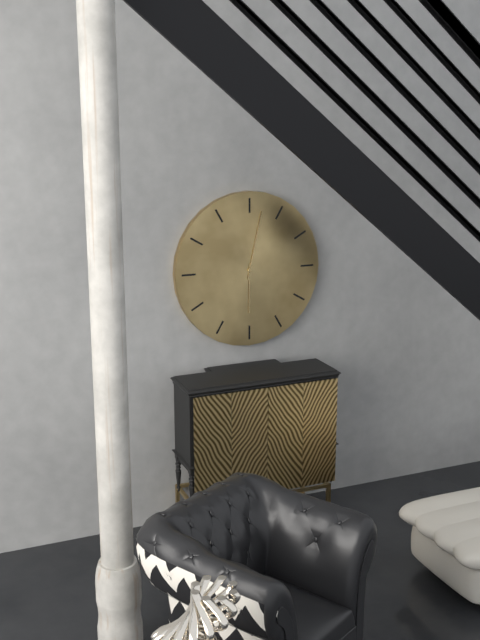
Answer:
6h02
